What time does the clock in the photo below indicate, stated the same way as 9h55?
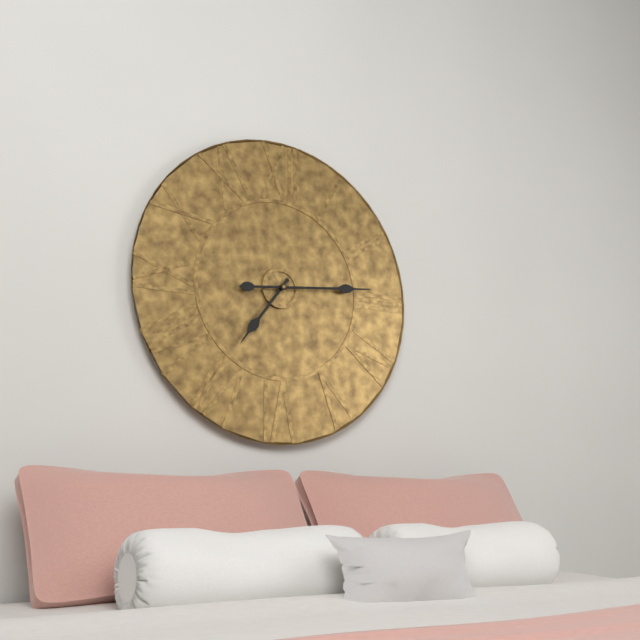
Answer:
7h14
